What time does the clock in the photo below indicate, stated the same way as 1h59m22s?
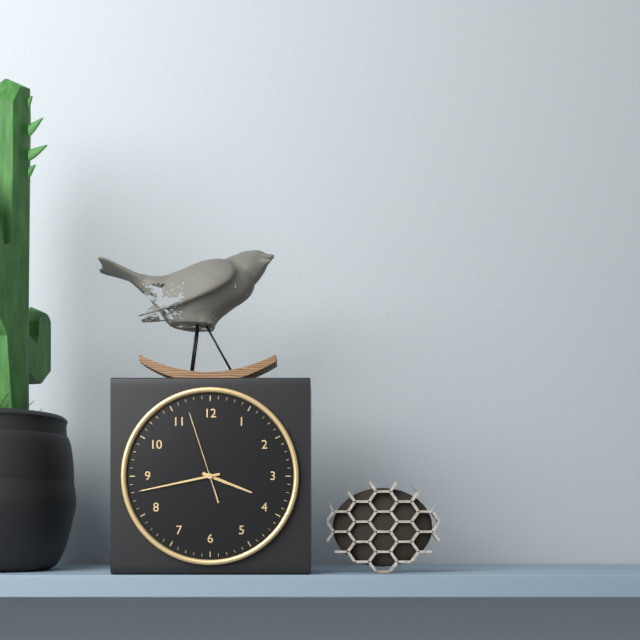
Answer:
3h43m57s
